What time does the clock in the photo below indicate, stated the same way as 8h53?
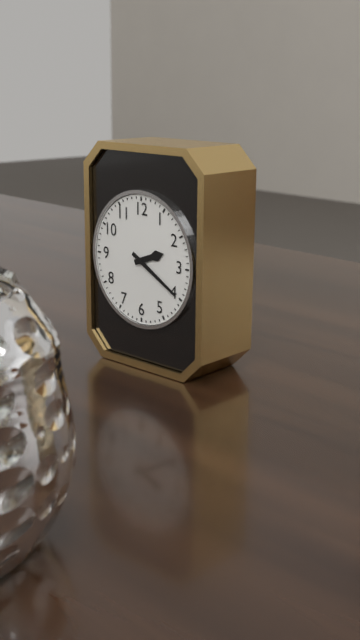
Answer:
2h20
